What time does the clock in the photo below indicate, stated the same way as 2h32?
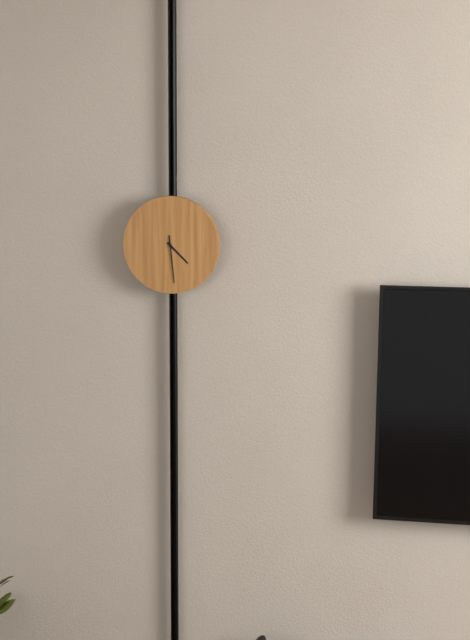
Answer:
4h29
